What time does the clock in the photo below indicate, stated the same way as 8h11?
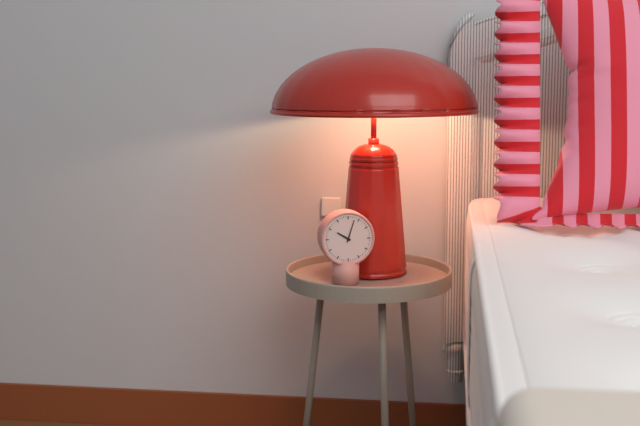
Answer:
10h03
